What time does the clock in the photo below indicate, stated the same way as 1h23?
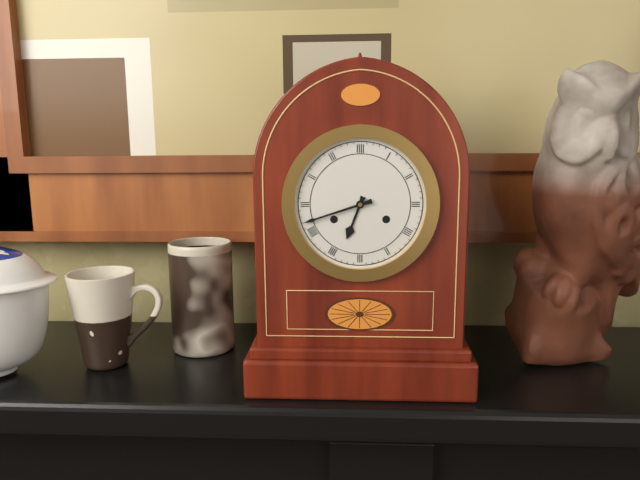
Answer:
6h42
